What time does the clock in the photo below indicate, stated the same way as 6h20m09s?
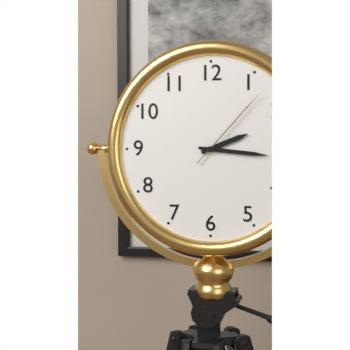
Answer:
2h16m07s
